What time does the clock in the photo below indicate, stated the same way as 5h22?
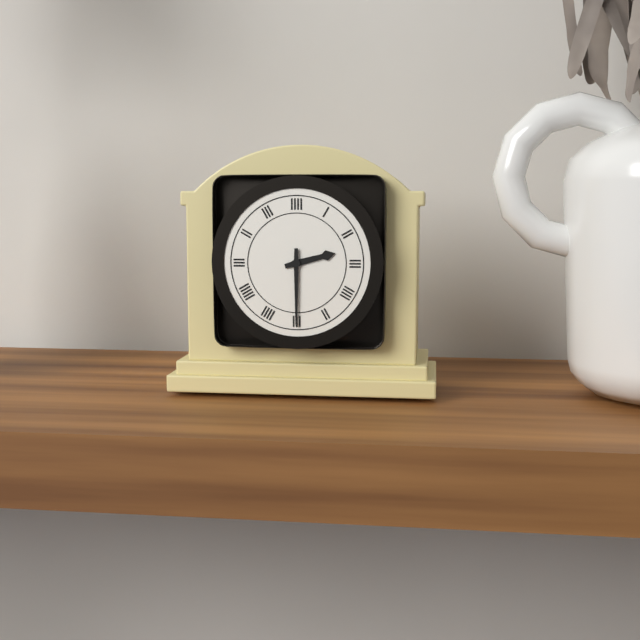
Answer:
2h30
